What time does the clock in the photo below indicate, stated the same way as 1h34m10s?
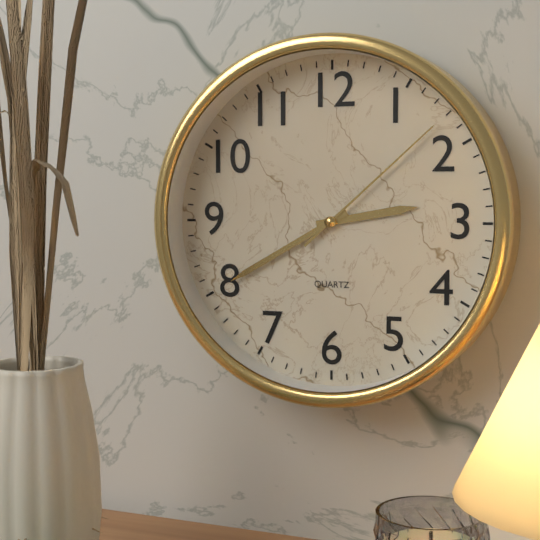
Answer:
2h40m08s
